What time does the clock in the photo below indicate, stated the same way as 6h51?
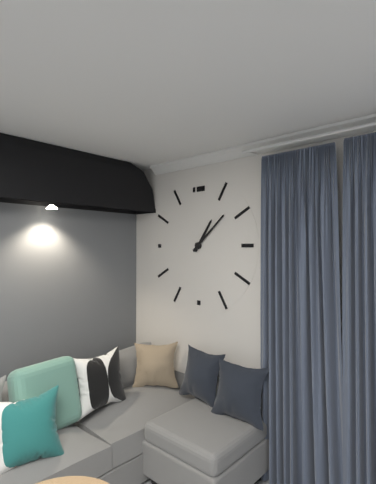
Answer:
1h08
